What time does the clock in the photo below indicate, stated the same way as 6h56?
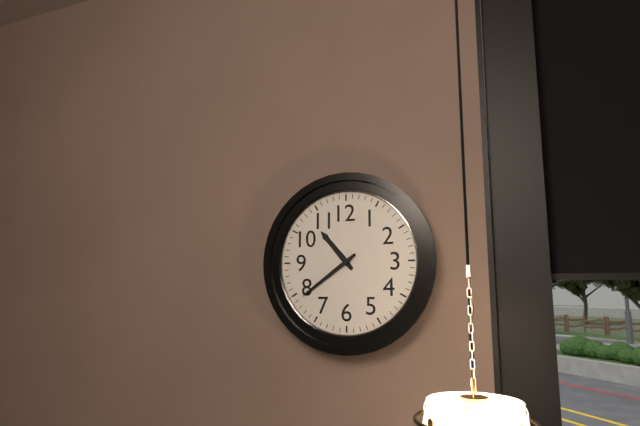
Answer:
10h39
